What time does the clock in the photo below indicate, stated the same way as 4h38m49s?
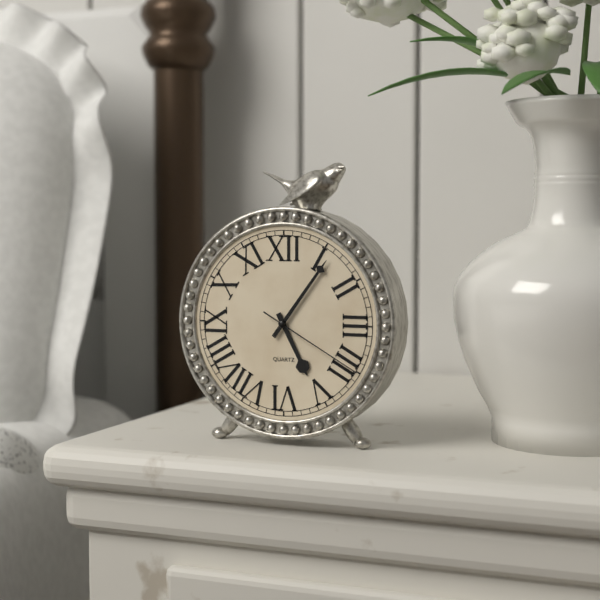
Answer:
5h06m20s
